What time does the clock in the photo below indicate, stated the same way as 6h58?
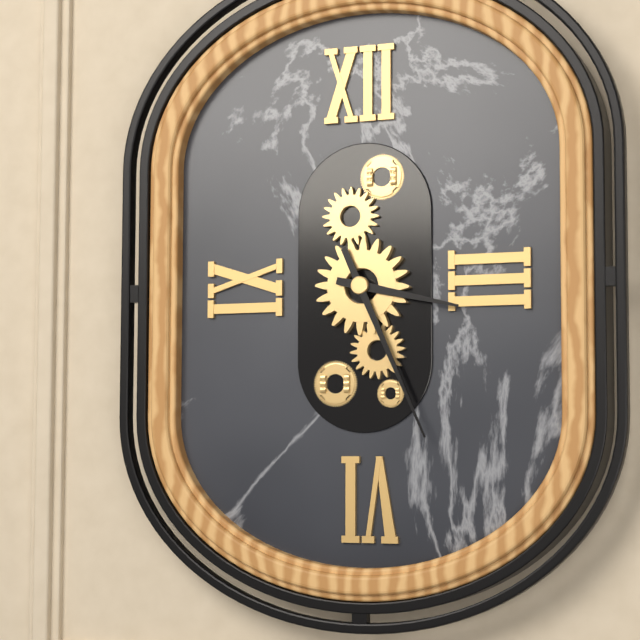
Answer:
3h26
